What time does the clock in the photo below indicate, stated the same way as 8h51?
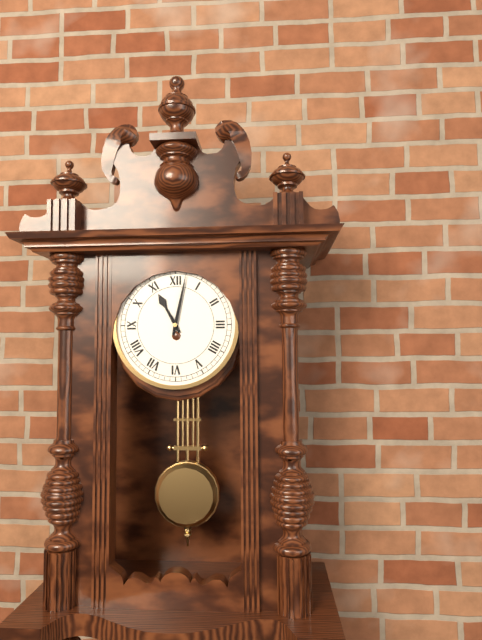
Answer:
11h02
